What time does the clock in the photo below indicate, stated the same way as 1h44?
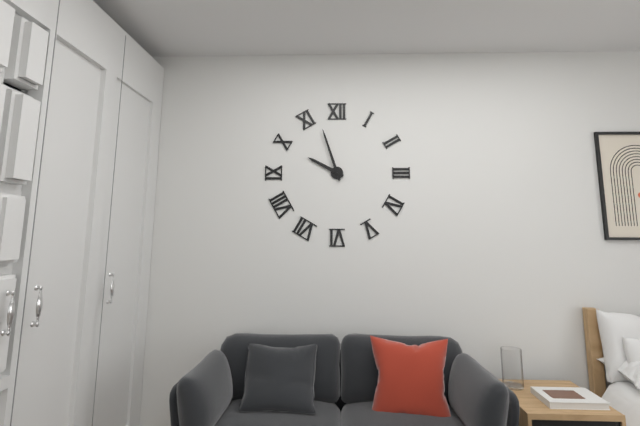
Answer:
9h57
